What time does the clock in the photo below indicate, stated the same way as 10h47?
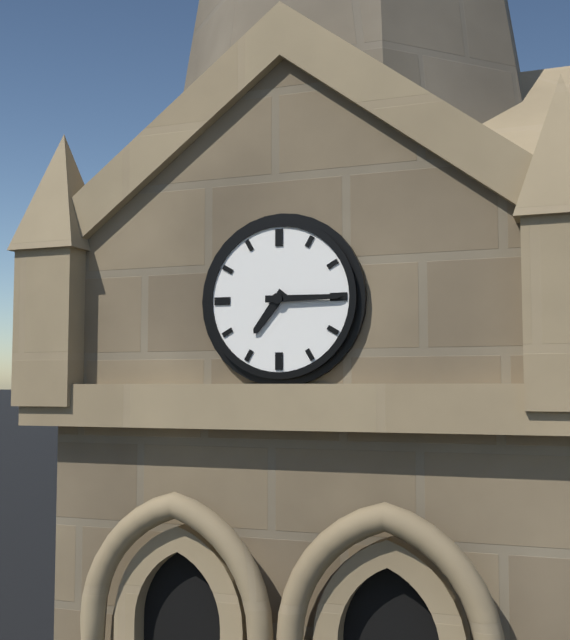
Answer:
7h15
